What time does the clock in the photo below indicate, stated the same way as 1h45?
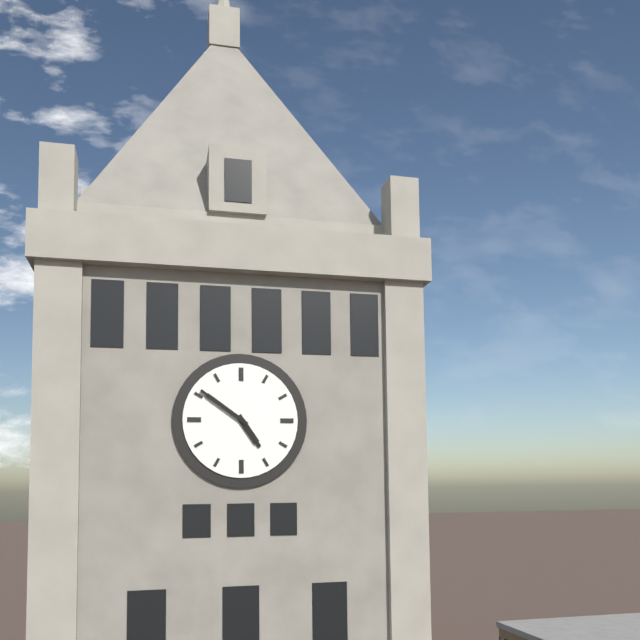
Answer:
4h51
